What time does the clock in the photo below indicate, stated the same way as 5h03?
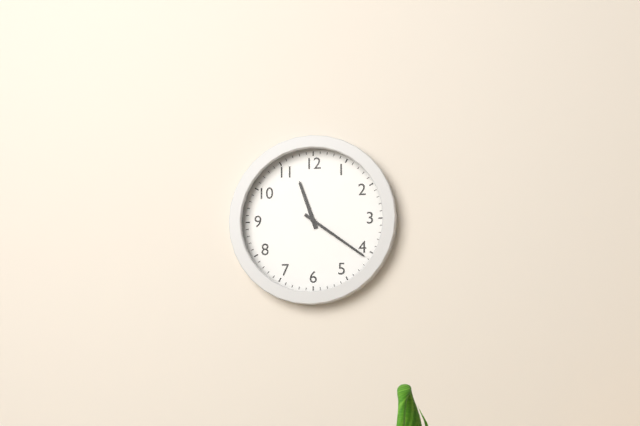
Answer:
11h21
